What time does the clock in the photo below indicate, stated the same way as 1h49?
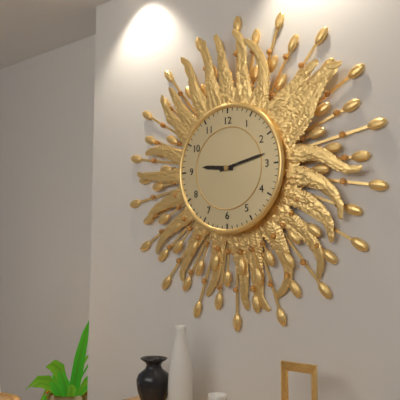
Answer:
9h13
